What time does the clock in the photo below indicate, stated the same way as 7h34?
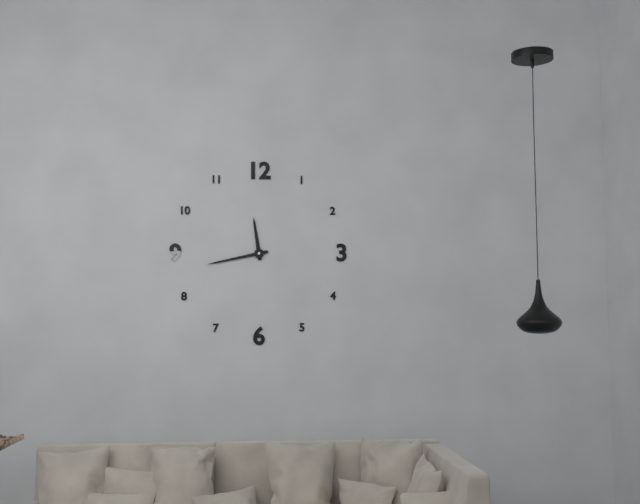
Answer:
11h43
